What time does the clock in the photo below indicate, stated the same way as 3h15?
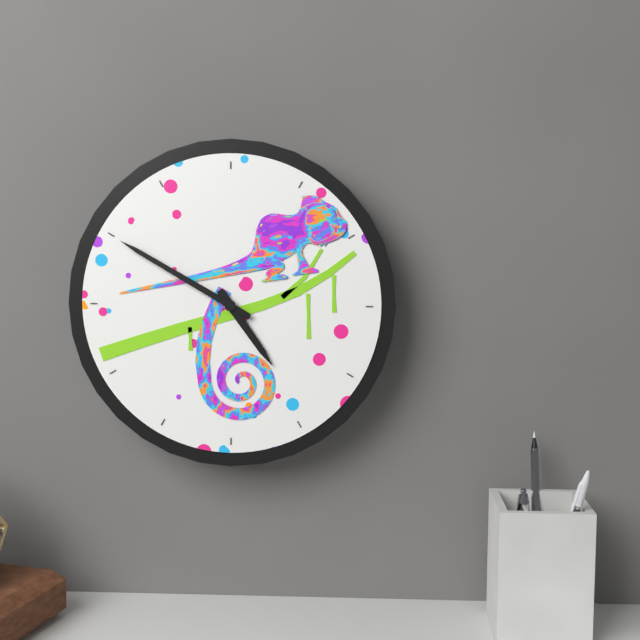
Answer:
4h50
